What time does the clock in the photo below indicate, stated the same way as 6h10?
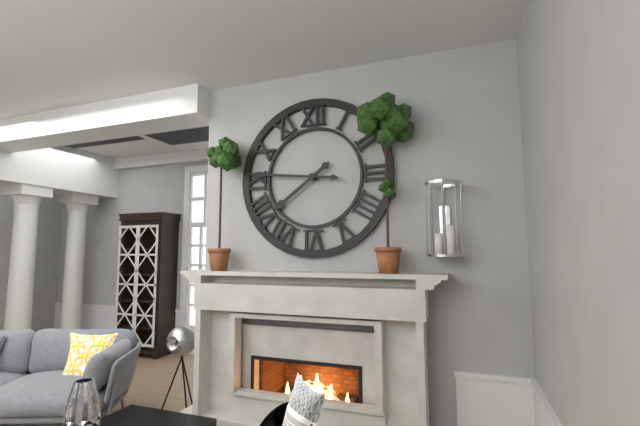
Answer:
7h46
